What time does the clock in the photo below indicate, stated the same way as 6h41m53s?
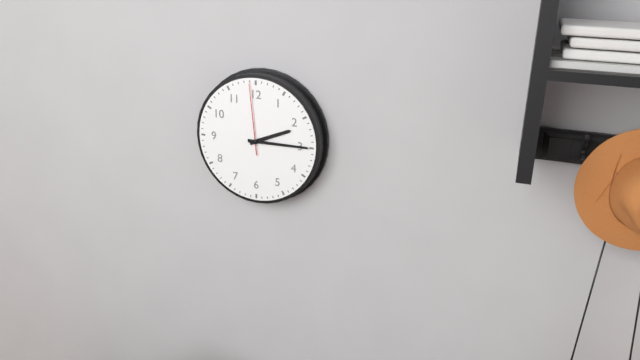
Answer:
2h15m59s
